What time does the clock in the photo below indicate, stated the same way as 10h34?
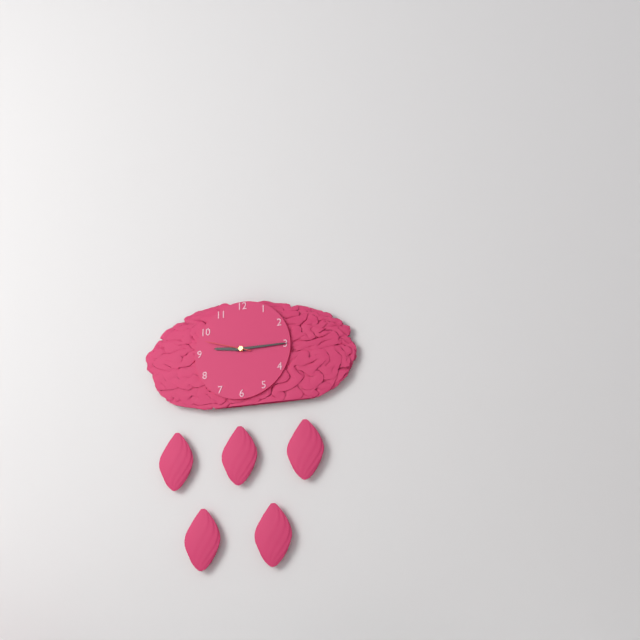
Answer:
9h15
